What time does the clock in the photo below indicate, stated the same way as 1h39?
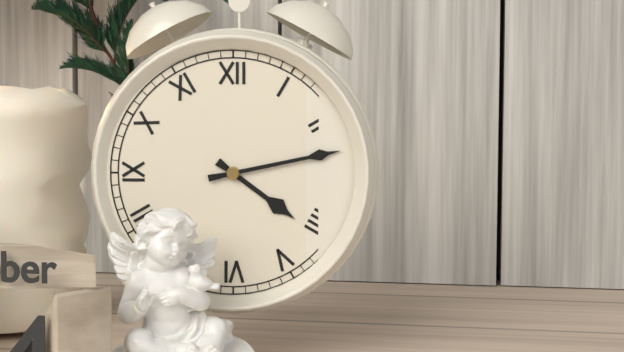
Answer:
4h13
